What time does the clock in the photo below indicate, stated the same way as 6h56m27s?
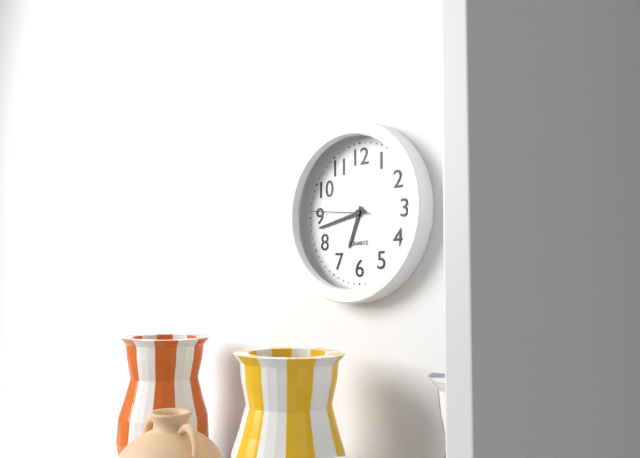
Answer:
6h43m46s
